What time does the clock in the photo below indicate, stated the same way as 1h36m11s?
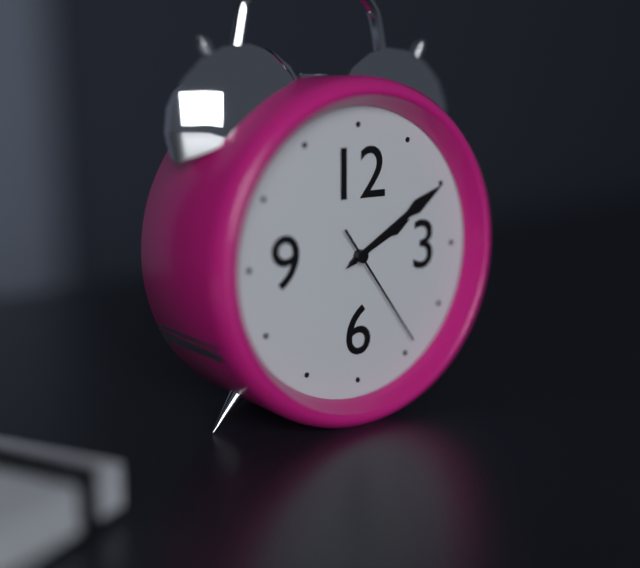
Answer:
2h10m24s
